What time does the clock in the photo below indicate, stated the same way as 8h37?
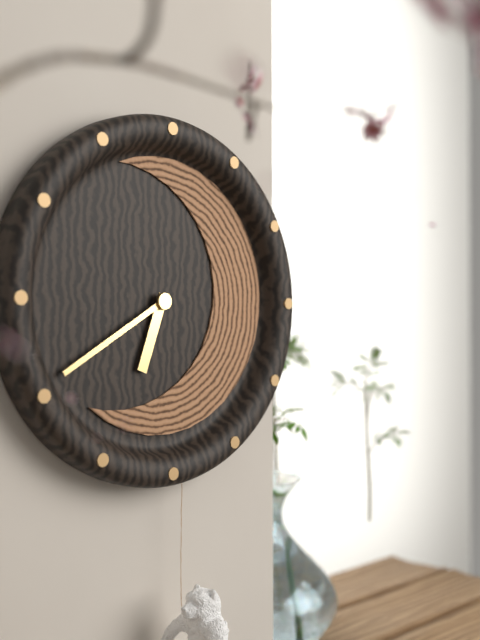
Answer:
6h40
